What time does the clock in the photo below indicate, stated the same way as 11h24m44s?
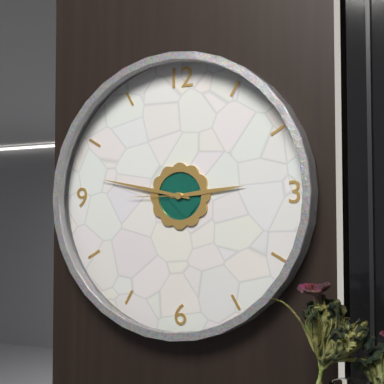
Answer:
2h47m45s
